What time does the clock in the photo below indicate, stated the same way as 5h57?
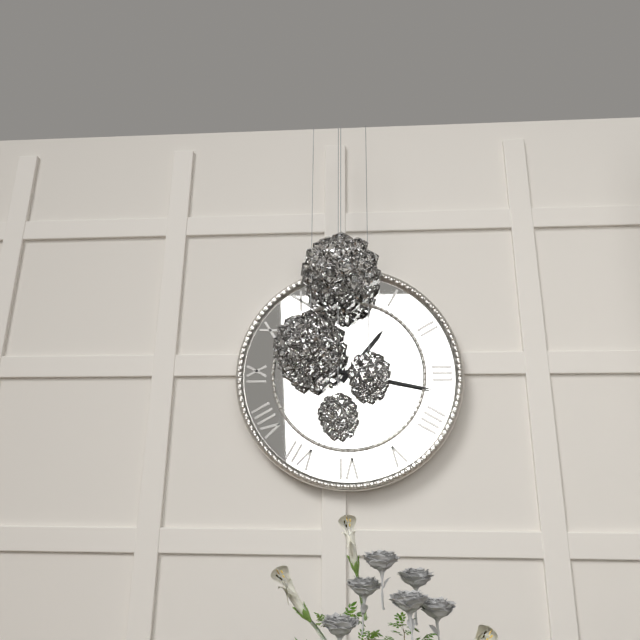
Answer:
1h17
